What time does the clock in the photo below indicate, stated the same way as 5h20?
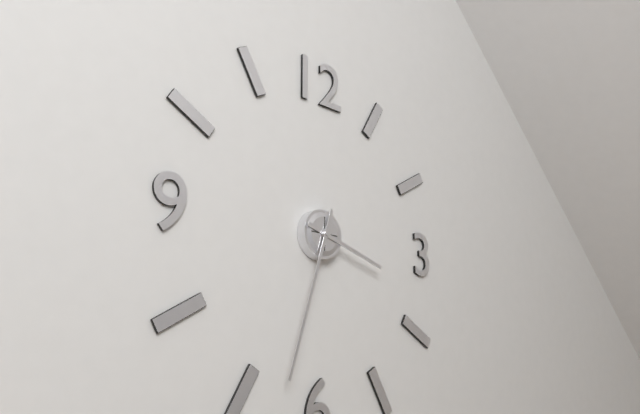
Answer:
3h33
